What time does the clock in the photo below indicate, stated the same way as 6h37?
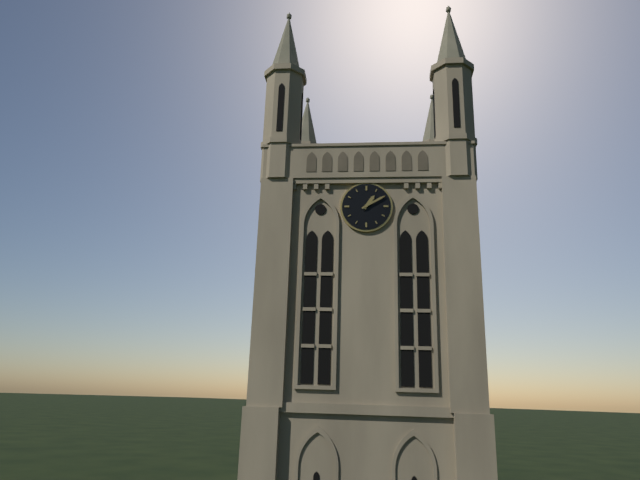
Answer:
1h10
